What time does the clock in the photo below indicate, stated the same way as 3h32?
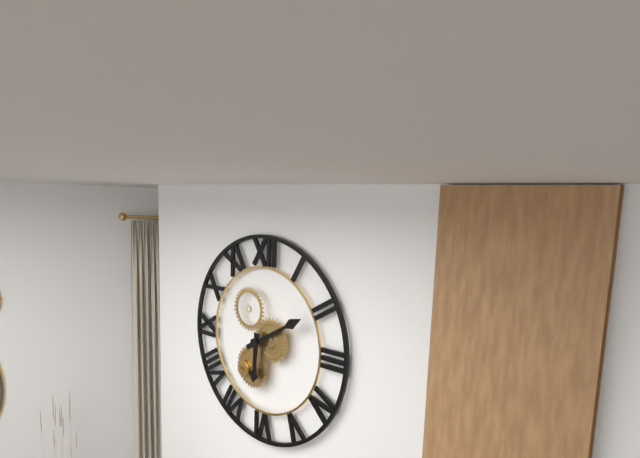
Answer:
6h10
